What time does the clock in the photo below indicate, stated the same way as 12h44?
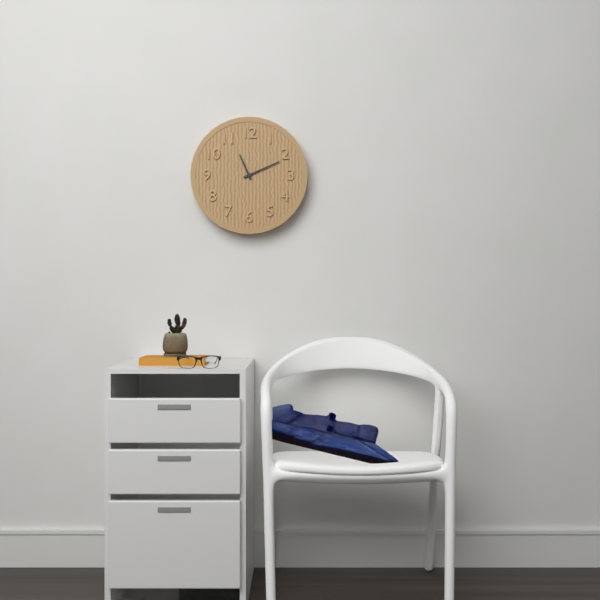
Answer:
11h11
